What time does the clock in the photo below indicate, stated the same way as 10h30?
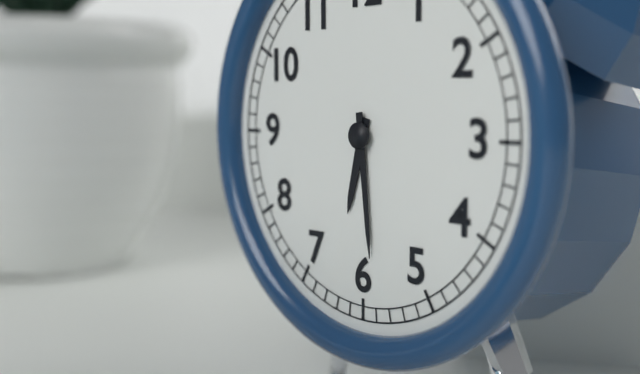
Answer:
6h29
